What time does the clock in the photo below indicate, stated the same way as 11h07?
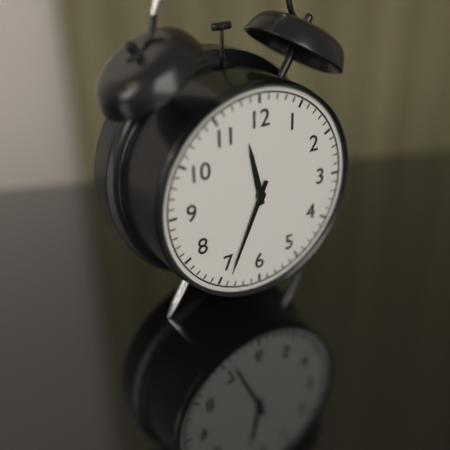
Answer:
11h34
